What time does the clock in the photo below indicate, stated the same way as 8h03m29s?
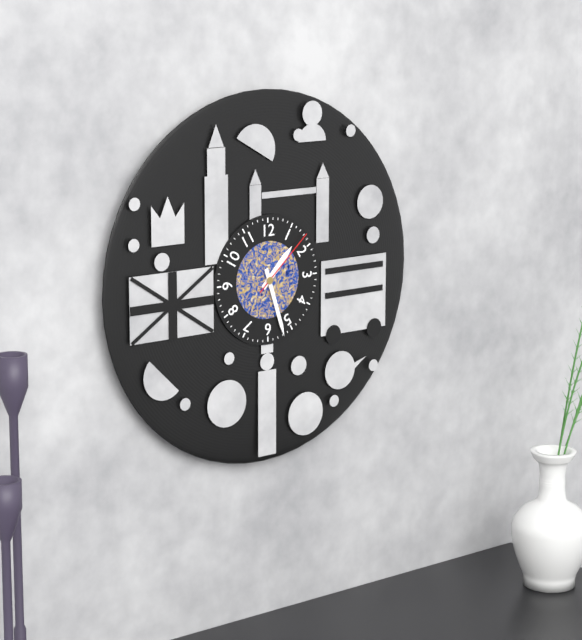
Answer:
1h27m08s
